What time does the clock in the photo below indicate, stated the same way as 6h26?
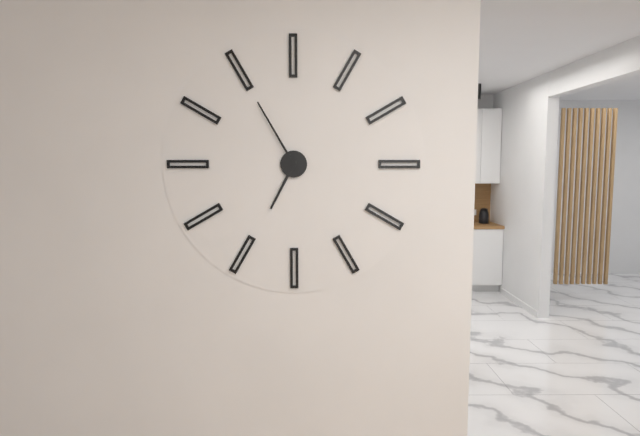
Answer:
6h55
